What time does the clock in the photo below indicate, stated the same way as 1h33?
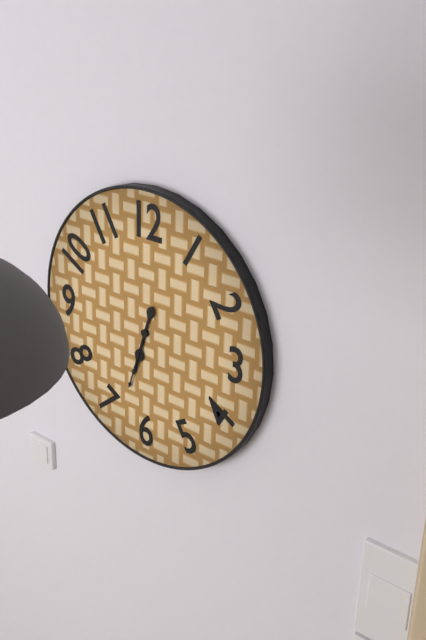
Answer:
6h33
